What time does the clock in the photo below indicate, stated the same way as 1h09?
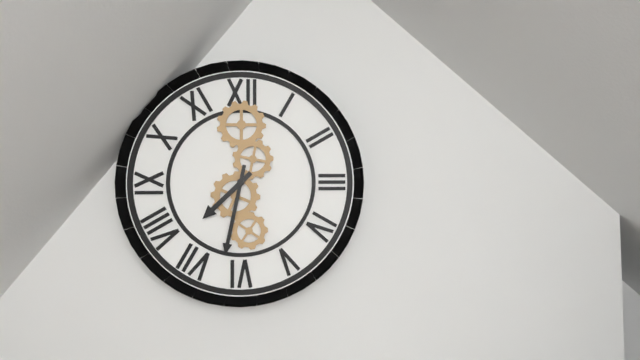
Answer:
7h32
